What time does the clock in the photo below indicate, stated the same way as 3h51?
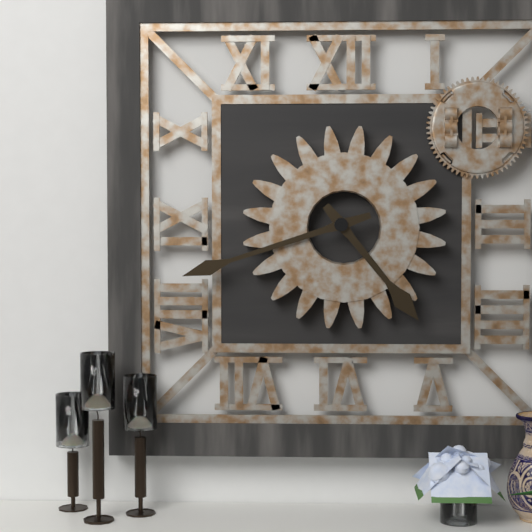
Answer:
4h42
